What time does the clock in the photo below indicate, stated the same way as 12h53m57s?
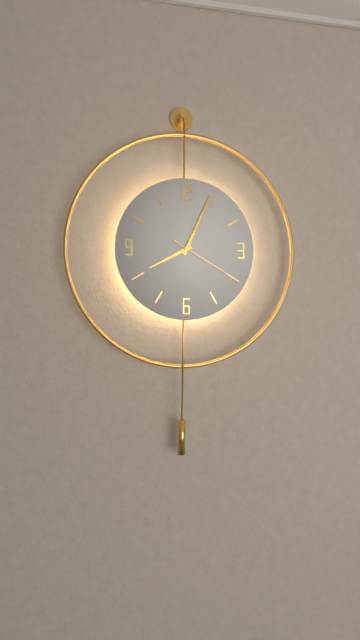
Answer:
8h04m20s
